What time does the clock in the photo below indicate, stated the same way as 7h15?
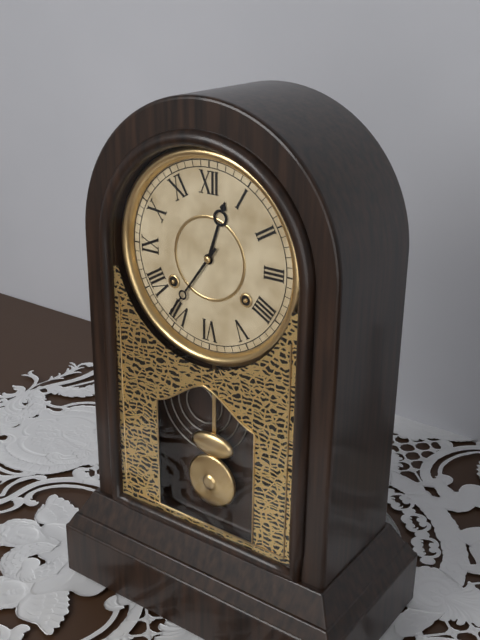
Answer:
12h36
